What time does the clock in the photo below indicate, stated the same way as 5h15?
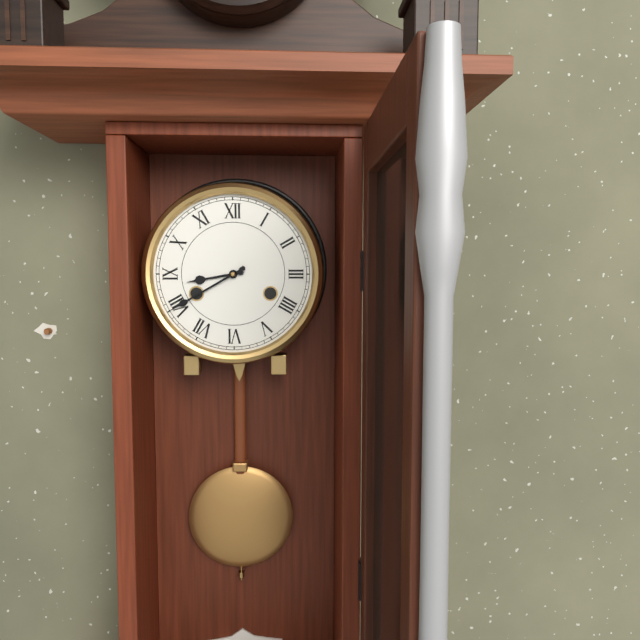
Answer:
8h40
